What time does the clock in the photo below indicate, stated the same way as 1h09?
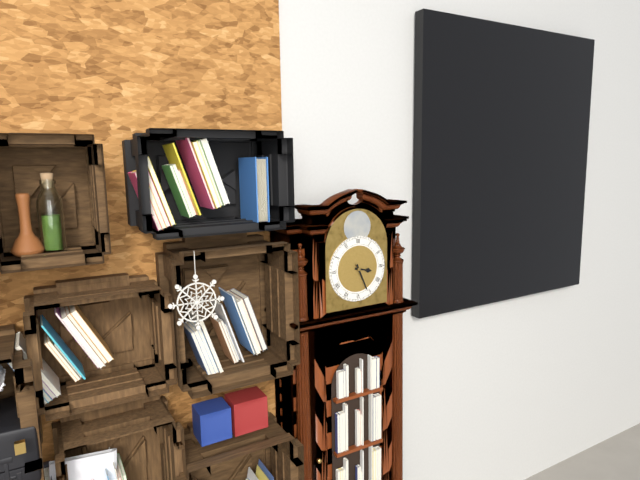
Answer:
3h26
